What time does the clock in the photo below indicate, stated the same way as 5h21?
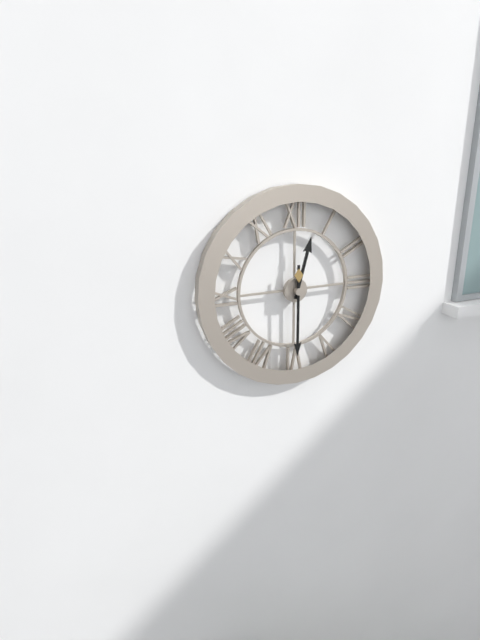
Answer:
12h30
